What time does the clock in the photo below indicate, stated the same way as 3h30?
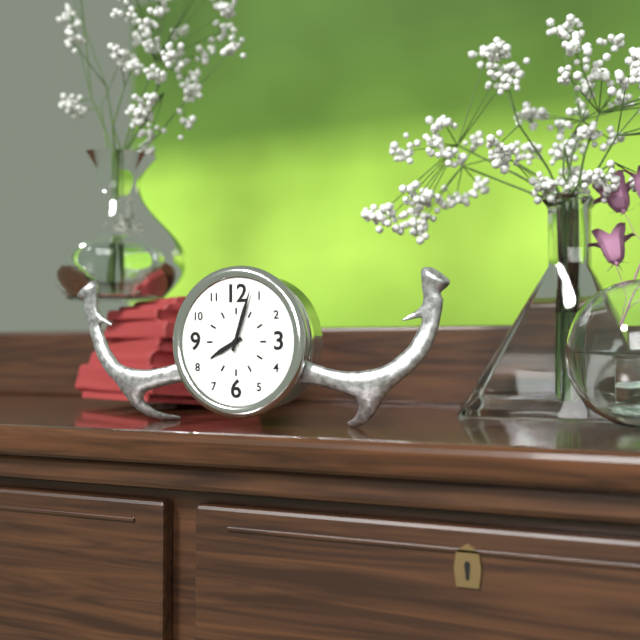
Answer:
8h03
